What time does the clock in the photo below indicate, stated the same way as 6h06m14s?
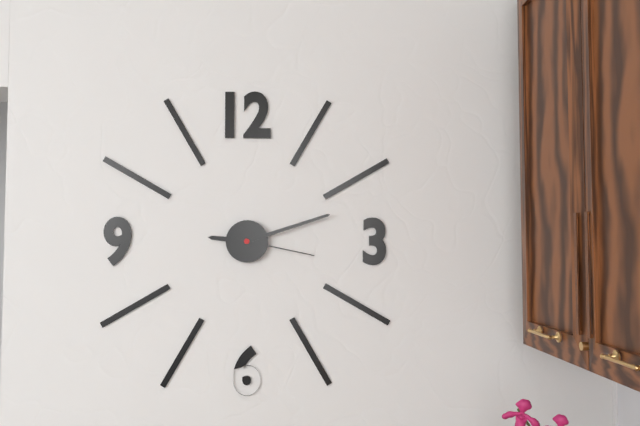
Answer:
9h12m17s
